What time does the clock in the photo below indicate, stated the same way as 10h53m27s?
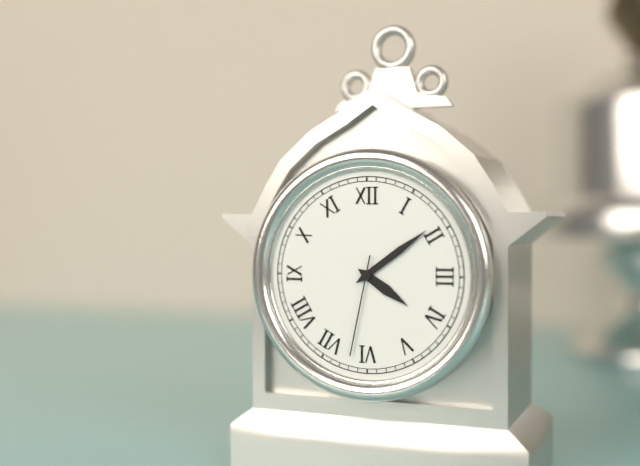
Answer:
4h09m32s
